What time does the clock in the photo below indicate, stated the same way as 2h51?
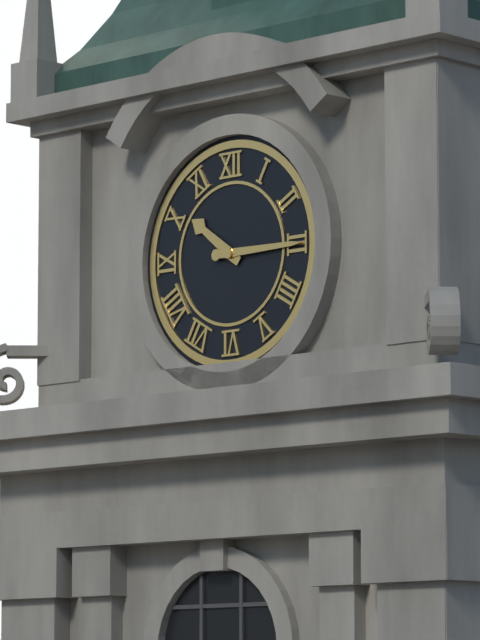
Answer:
10h15
